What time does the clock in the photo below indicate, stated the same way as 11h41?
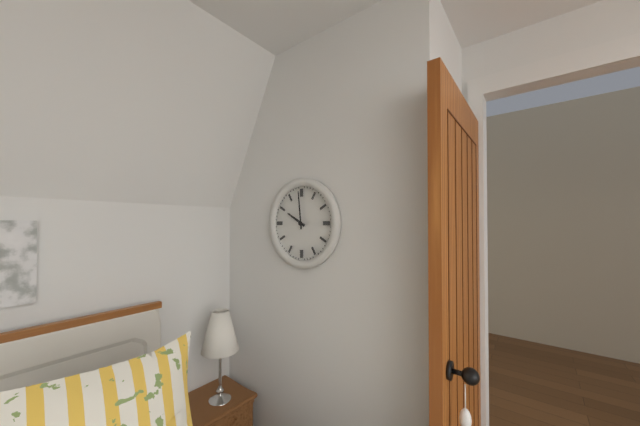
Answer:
9h59
